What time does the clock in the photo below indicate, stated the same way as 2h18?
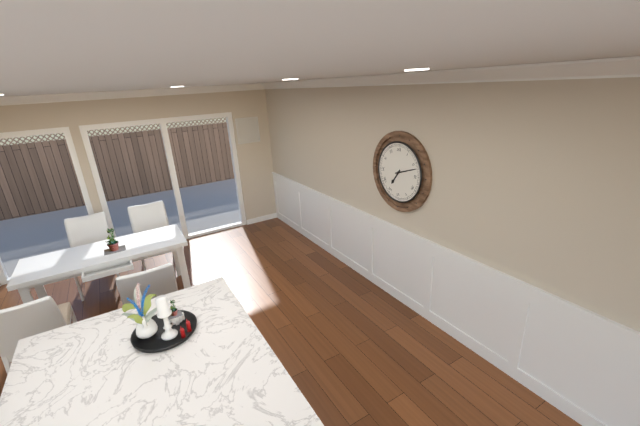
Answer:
7h12
